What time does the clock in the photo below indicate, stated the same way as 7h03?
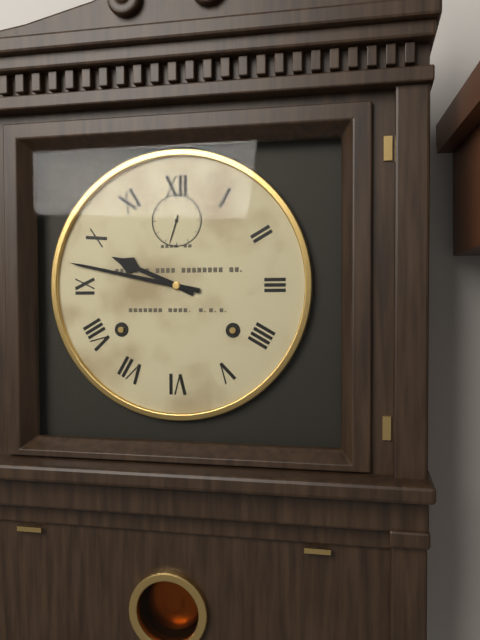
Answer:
9h47
